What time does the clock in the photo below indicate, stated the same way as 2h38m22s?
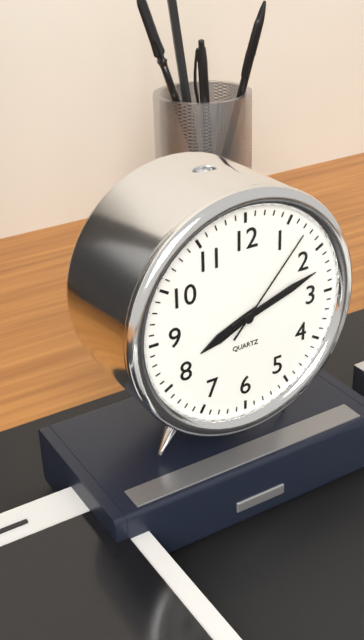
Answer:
8h12m07s
